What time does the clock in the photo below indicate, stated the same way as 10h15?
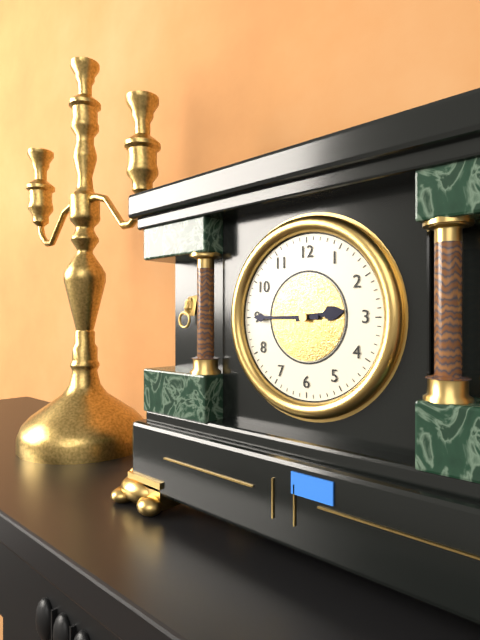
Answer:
2h45
